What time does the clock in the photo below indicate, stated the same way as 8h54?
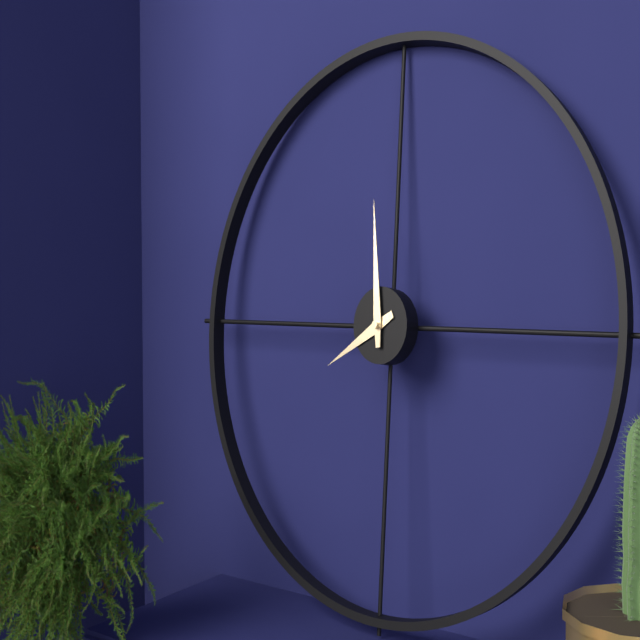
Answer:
7h59
